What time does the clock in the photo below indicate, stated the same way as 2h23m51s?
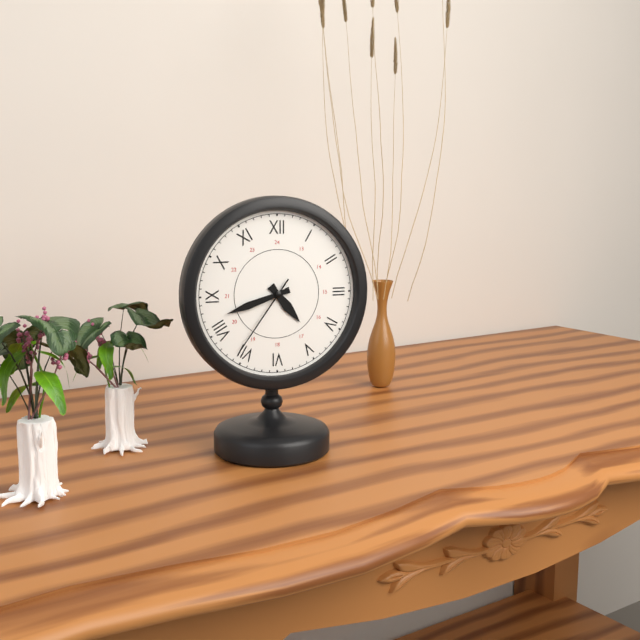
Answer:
4h42m36s
